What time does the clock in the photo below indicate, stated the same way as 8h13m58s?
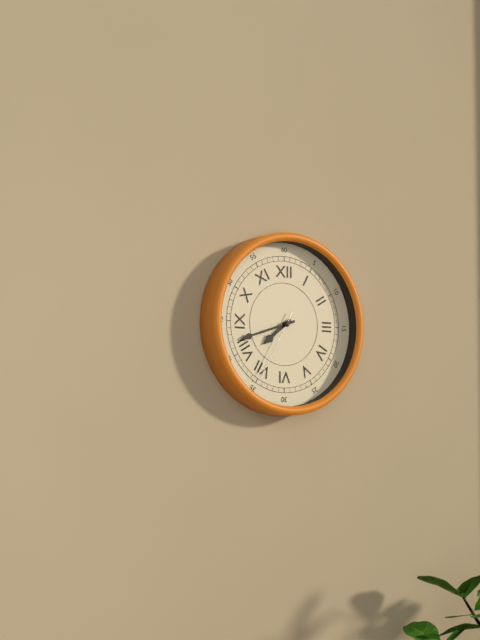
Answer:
7h42m35s
